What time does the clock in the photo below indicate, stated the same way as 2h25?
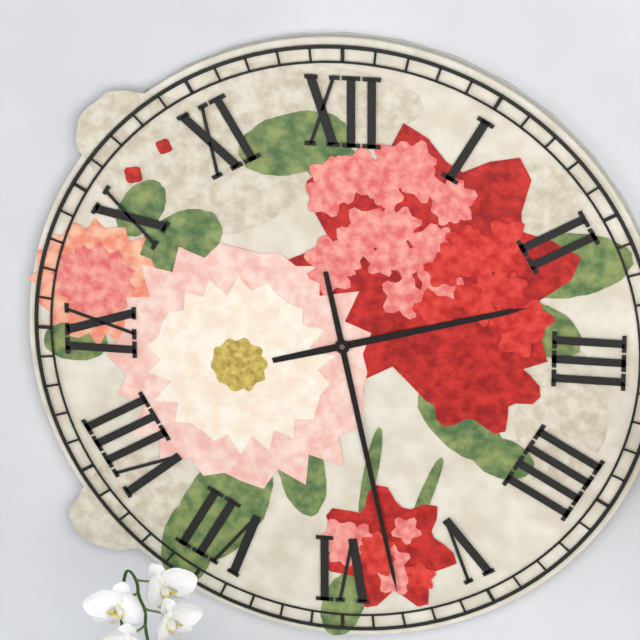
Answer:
2h28
